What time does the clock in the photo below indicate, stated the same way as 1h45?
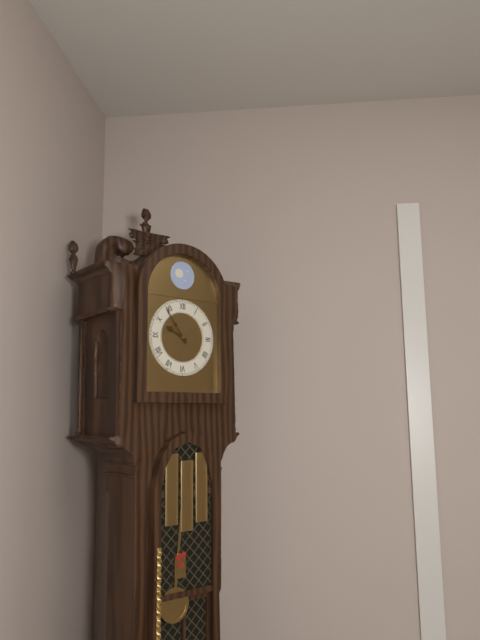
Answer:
9h54
